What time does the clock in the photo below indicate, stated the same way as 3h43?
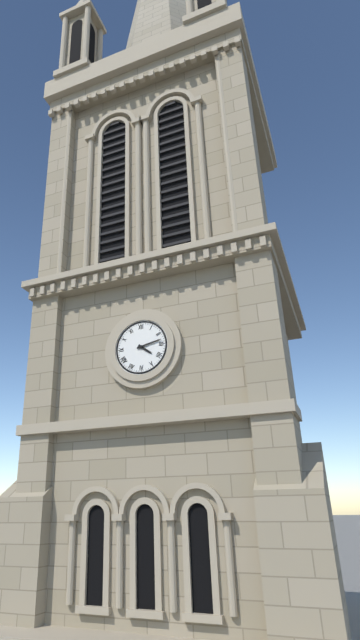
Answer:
4h13
